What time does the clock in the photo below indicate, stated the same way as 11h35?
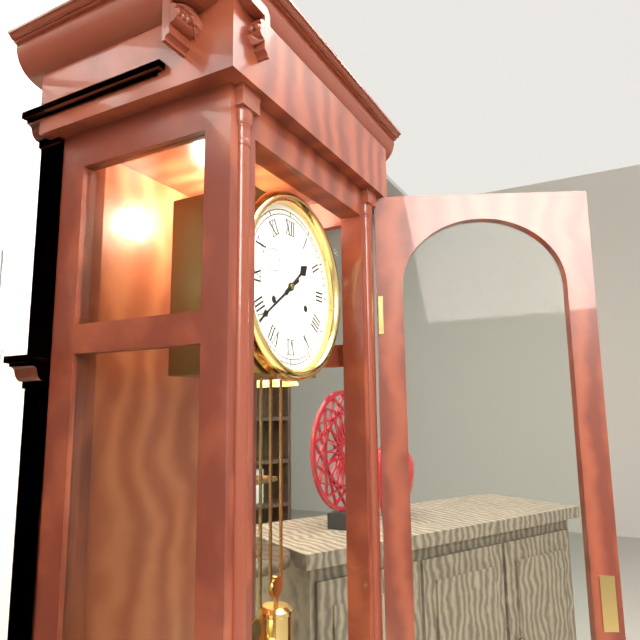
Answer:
1h39
